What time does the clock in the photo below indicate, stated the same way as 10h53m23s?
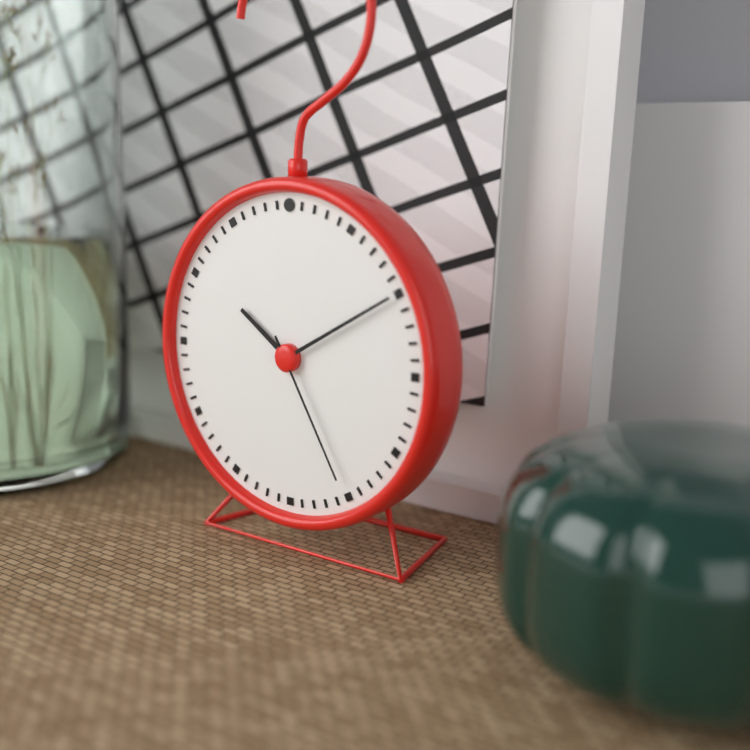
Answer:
10h10m25s
